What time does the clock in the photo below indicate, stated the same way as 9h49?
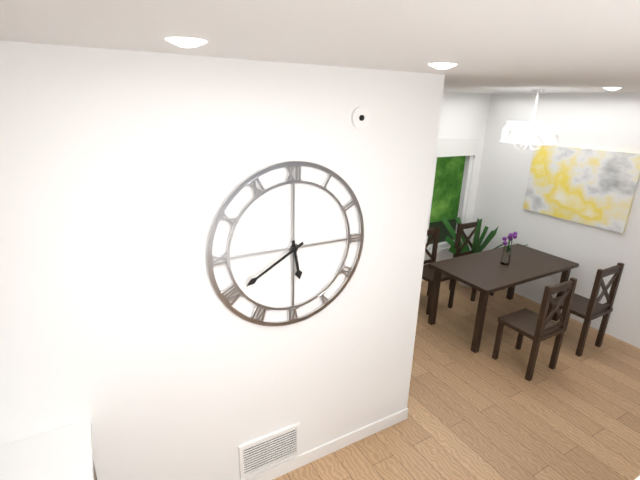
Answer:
5h40
